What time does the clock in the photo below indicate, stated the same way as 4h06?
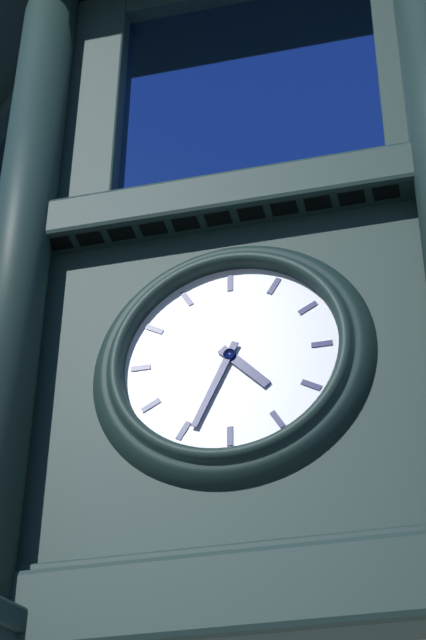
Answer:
4h34
